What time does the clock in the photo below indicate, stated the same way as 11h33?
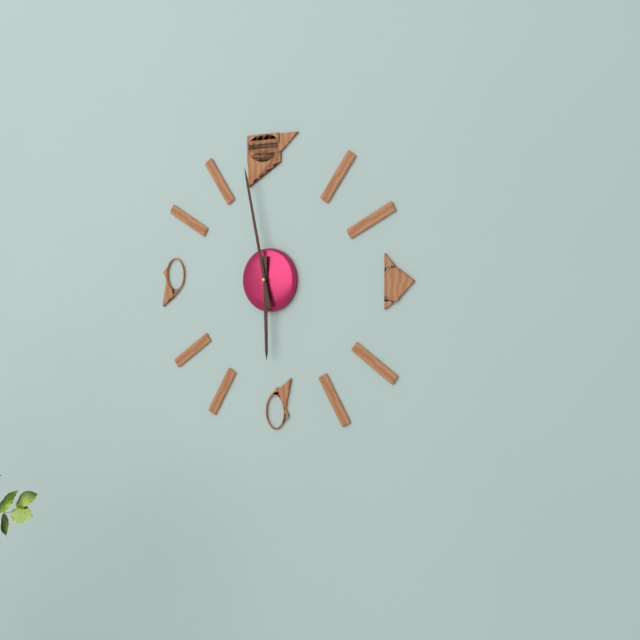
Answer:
5h58
